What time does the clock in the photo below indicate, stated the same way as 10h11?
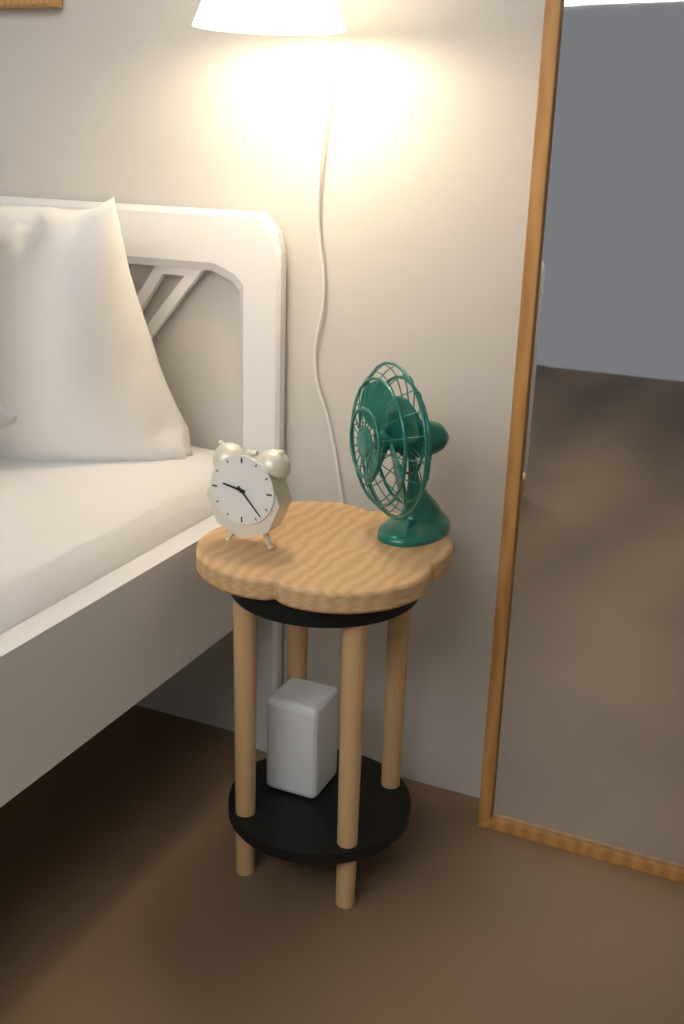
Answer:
9h23
